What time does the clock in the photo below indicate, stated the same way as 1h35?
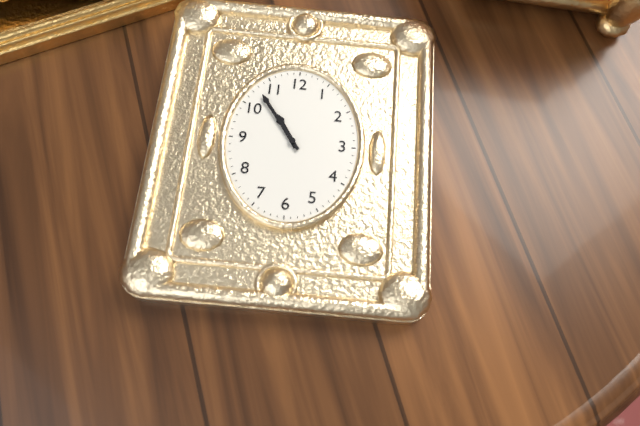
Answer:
10h54
